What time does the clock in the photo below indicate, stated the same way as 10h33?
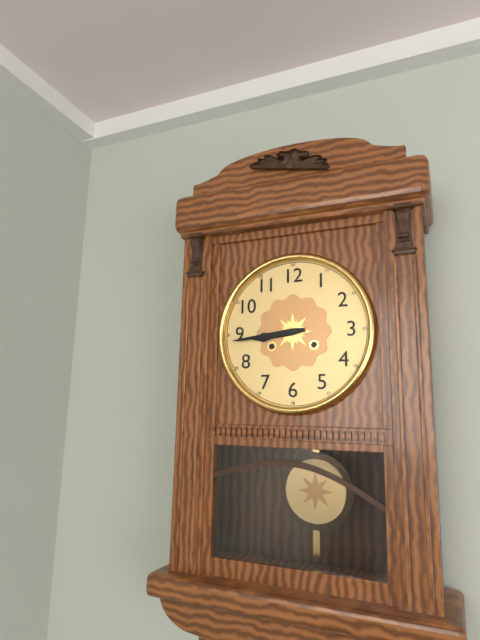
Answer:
8h44
